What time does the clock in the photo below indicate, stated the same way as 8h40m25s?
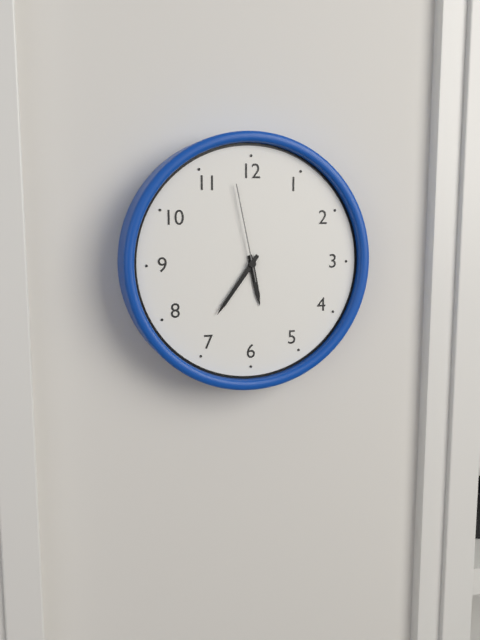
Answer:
5h36m58s
